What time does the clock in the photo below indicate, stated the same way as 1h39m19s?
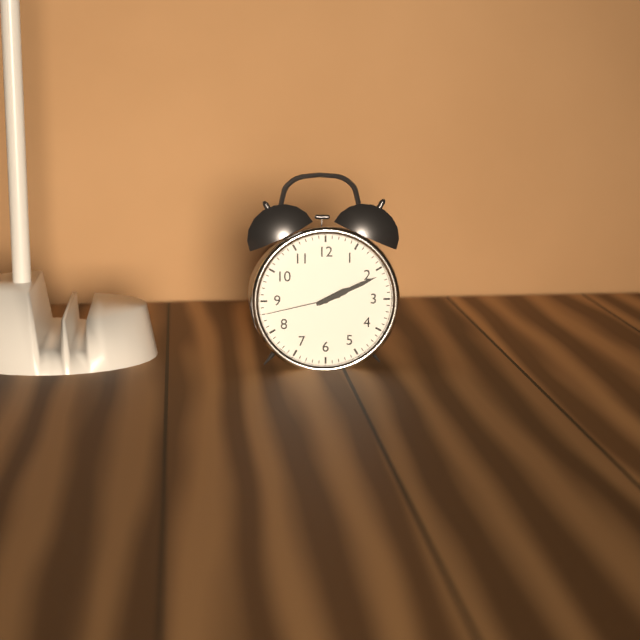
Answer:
2h11m43s
